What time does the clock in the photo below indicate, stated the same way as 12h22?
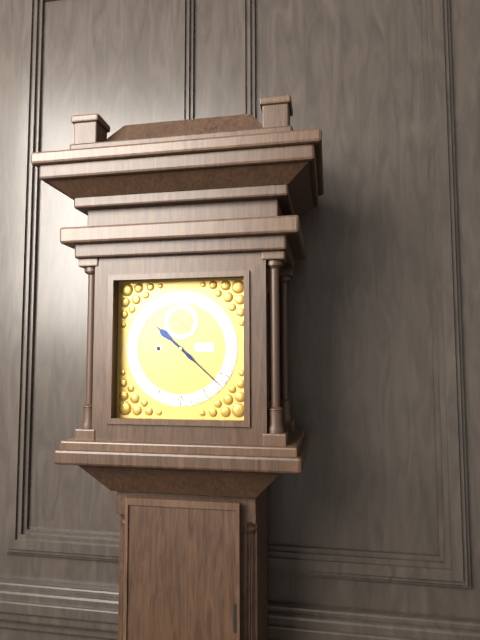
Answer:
10h22
